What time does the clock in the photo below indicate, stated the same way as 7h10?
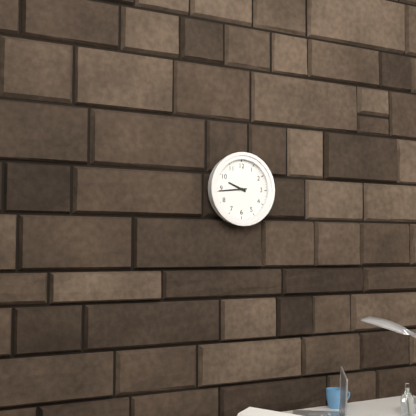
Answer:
9h44
